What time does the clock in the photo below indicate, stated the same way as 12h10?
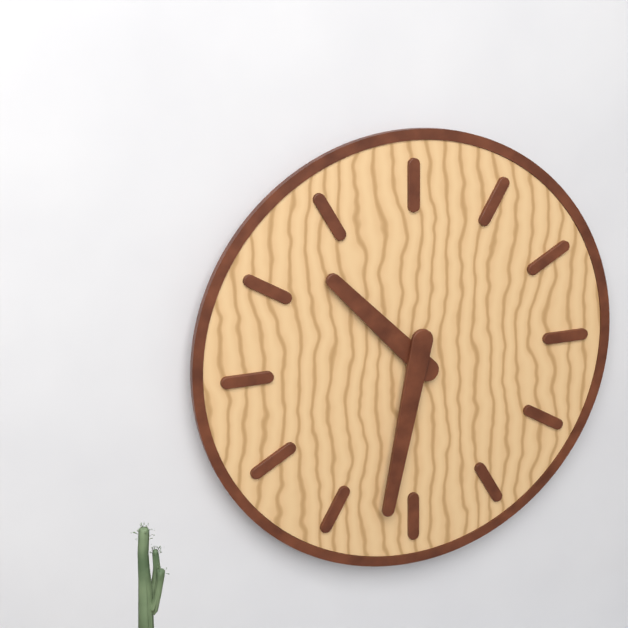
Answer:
10h32
